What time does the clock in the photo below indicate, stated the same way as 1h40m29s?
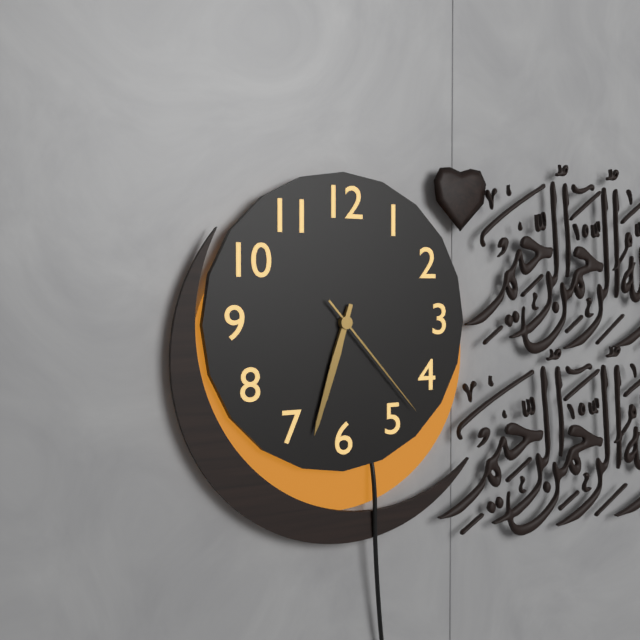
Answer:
6h33m23s
